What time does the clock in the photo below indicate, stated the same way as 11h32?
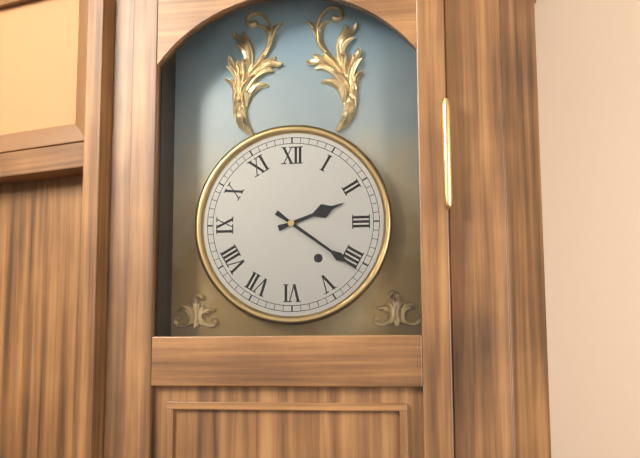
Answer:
2h21
